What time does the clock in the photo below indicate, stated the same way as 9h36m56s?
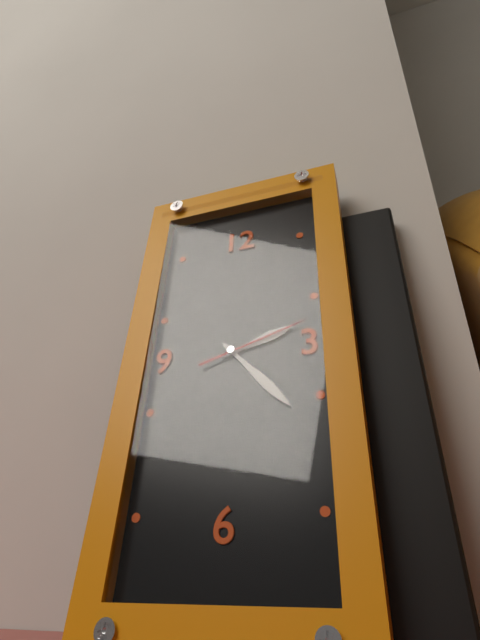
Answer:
2h23m12s
